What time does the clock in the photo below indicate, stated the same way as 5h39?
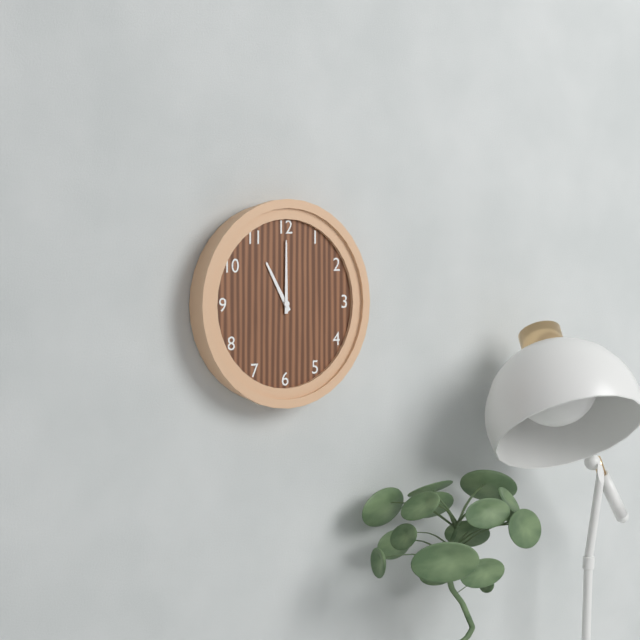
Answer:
11h00
